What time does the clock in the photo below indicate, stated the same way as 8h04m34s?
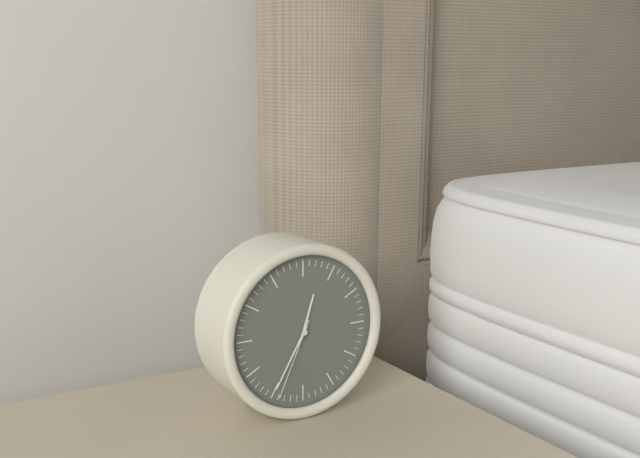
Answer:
12h35m34s
